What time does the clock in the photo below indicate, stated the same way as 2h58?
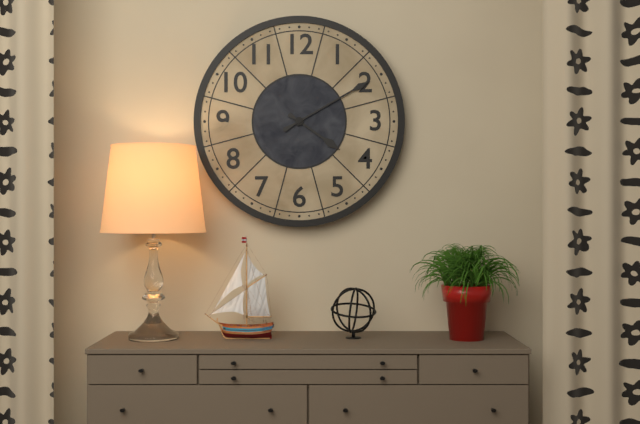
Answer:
4h10
